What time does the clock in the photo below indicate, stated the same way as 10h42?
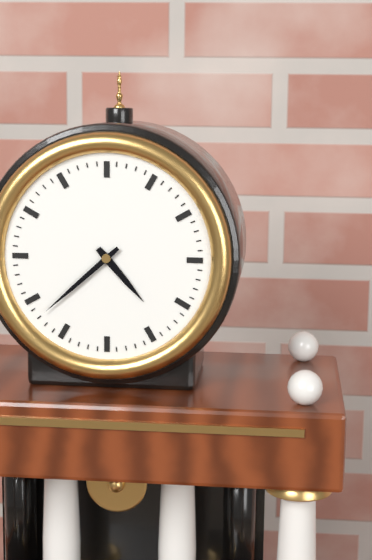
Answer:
4h38
